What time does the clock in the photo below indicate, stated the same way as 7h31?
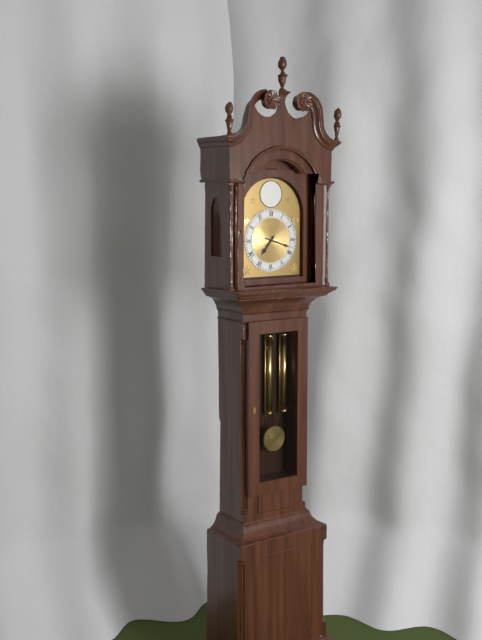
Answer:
7h18
